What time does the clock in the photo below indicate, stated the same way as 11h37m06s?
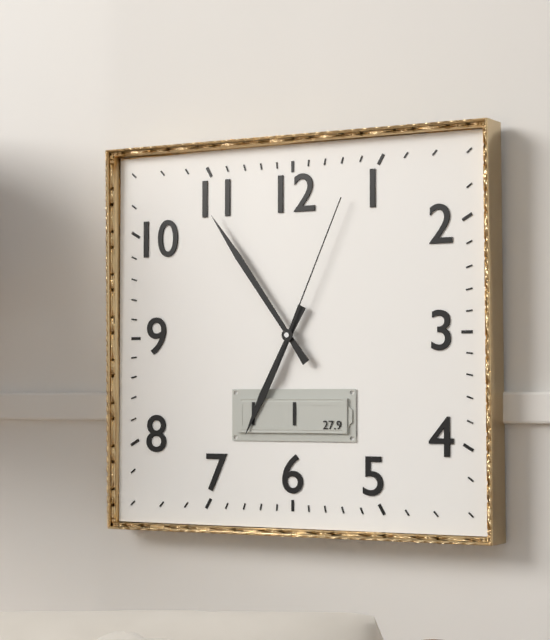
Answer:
6h54m04s
